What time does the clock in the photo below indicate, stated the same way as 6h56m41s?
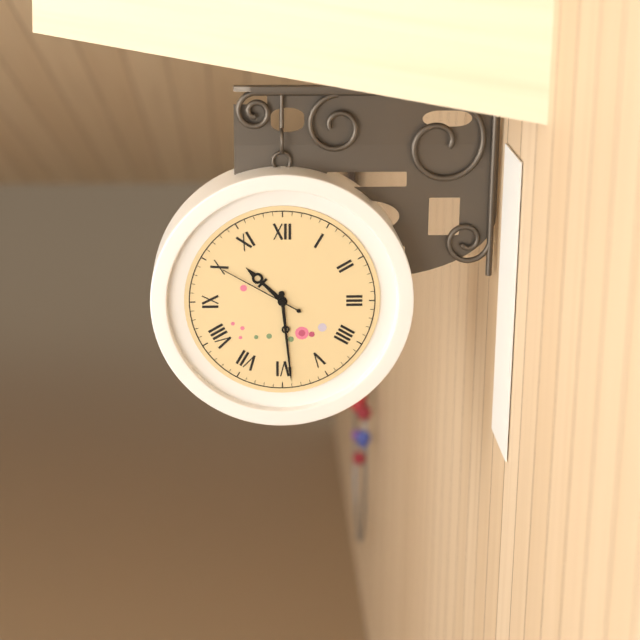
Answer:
10h29m50s
